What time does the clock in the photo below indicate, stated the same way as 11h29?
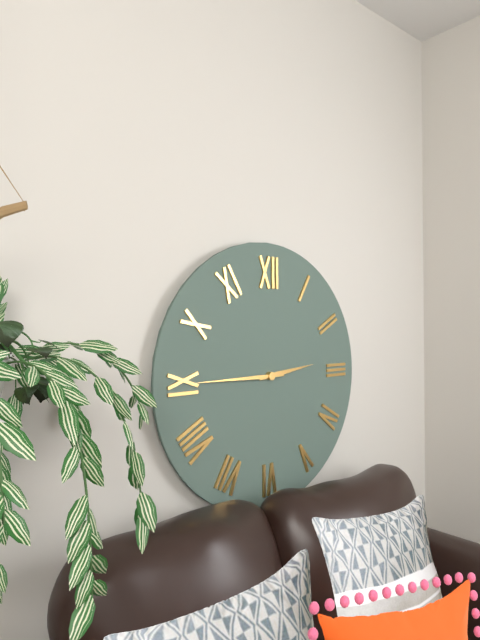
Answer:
2h45
